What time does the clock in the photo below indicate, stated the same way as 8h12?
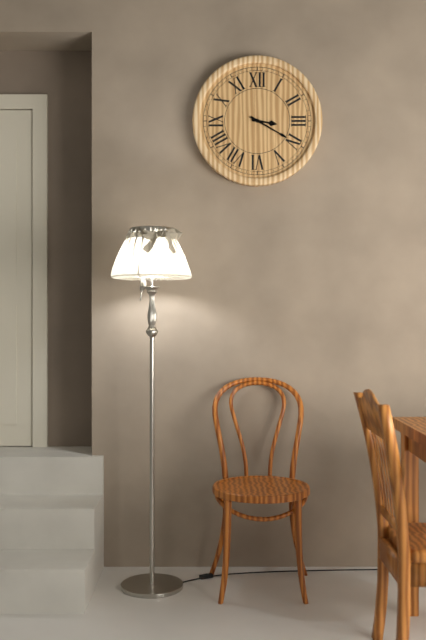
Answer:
3h20
